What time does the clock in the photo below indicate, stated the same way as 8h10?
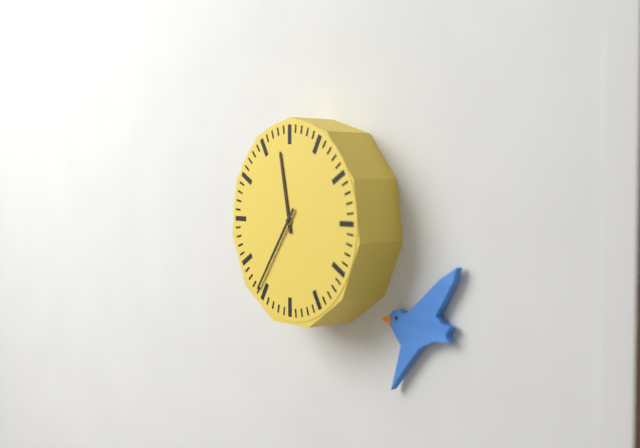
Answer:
11h36
